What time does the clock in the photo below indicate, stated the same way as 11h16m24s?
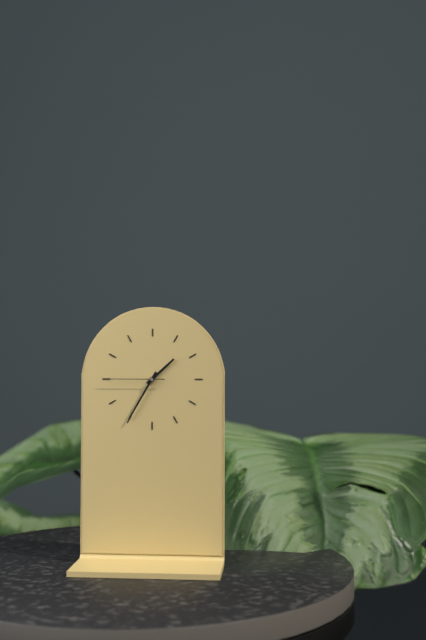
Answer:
1h35m45s
